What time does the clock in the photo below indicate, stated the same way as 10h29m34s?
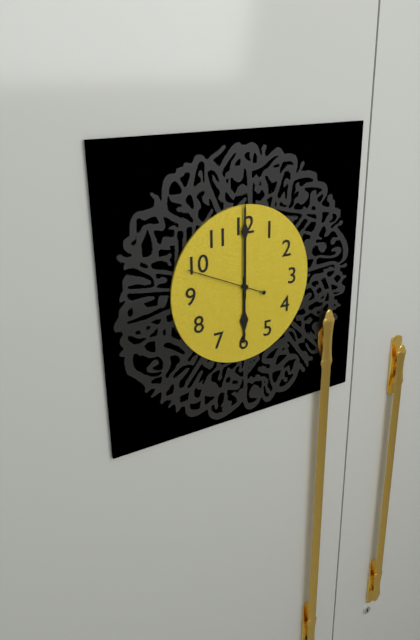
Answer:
6h00m49s
